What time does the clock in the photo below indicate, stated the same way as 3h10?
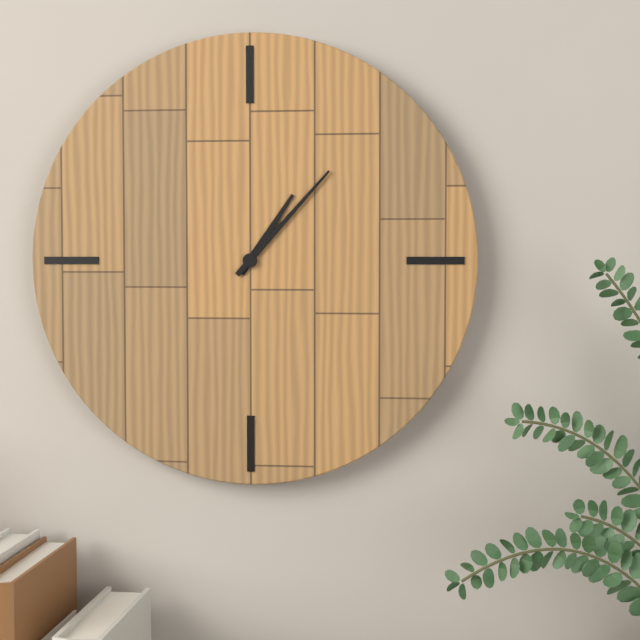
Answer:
1h07
